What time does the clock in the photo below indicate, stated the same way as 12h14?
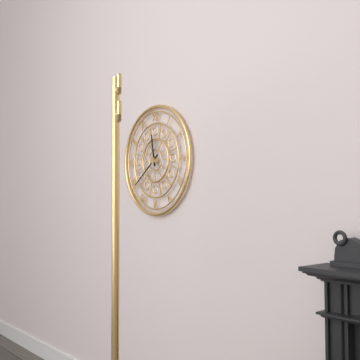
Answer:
11h39
